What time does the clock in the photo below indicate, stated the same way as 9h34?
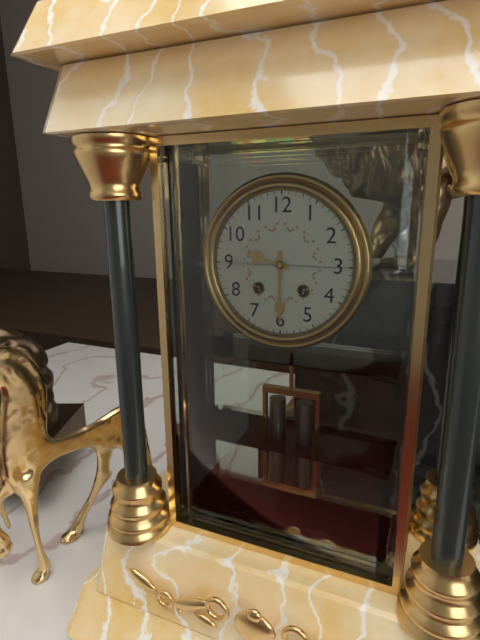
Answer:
9h30
